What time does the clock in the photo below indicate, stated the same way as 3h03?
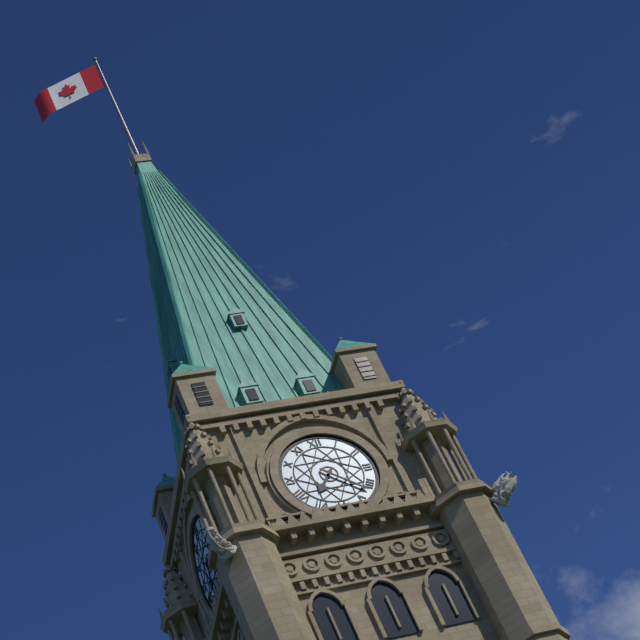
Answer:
7h22
